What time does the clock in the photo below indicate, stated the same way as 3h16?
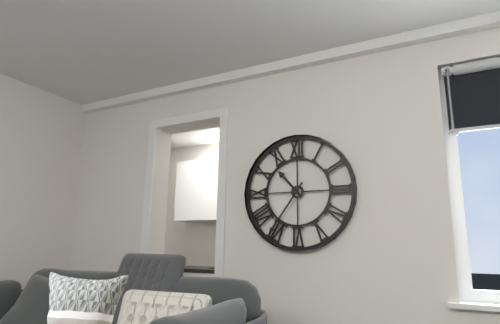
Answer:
10h36
